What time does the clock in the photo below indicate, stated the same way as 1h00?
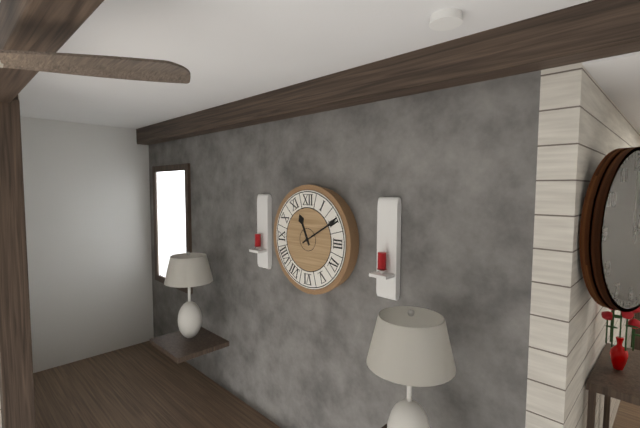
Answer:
11h10
